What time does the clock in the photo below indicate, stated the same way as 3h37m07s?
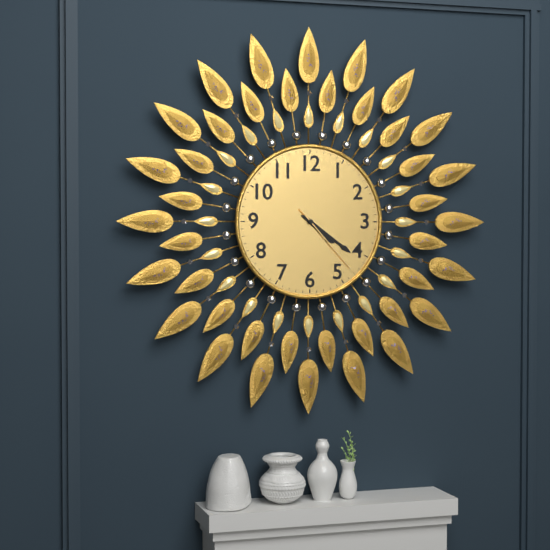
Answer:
4h21m23s
